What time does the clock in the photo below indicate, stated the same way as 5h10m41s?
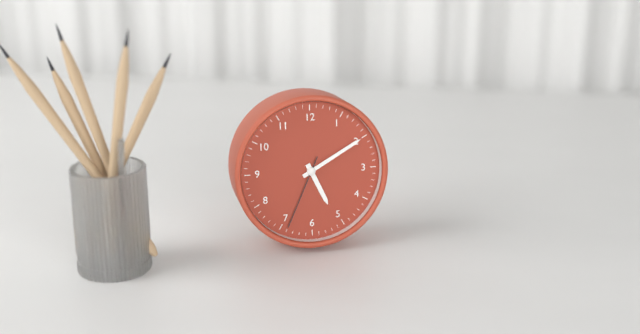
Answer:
5h10m34s
